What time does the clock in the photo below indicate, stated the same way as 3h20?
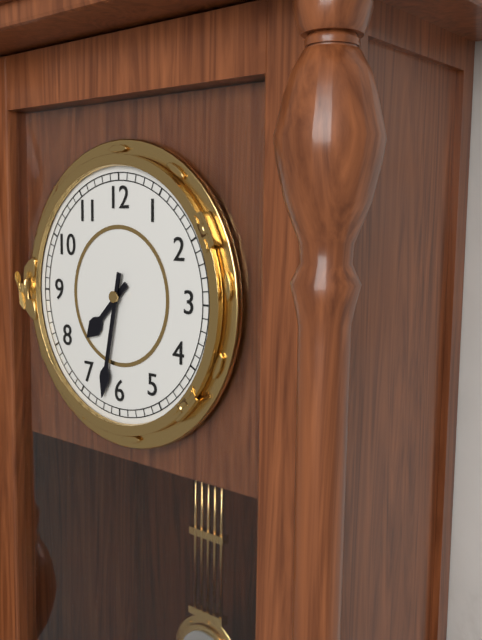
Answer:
7h32
